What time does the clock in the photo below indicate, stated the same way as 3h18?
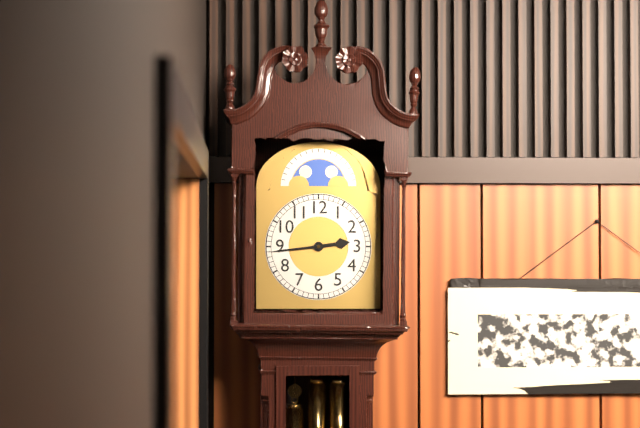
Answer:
2h44
